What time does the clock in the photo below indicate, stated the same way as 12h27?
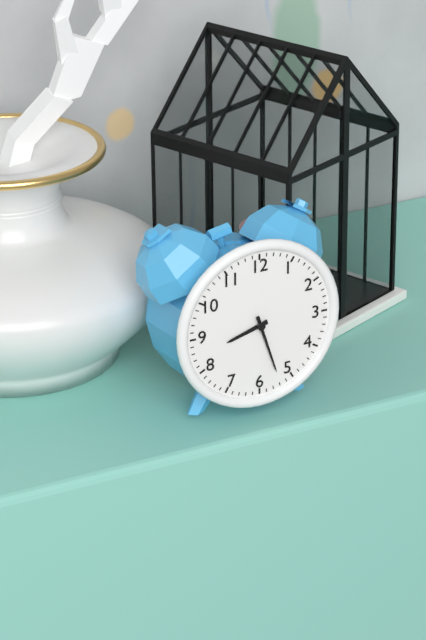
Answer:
8h27
